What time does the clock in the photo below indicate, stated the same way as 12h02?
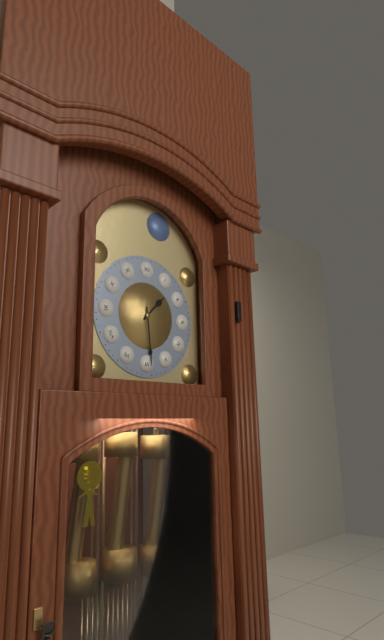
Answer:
1h29
